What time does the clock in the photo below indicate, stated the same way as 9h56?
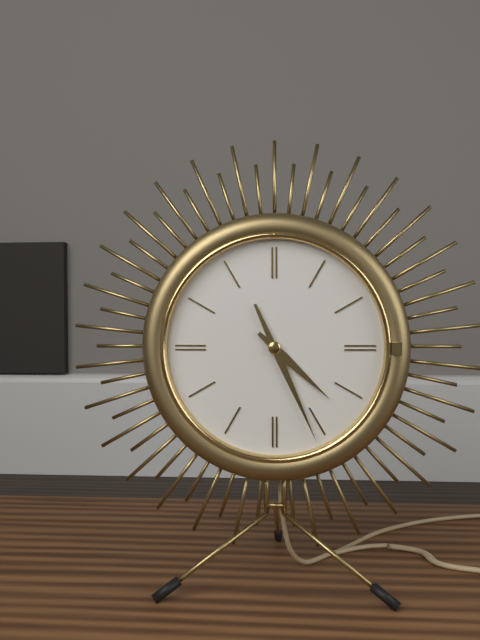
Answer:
4h26
